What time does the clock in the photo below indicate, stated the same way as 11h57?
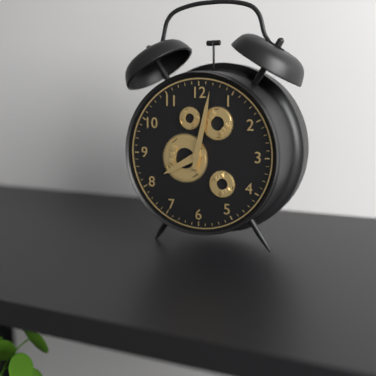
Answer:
8h02
